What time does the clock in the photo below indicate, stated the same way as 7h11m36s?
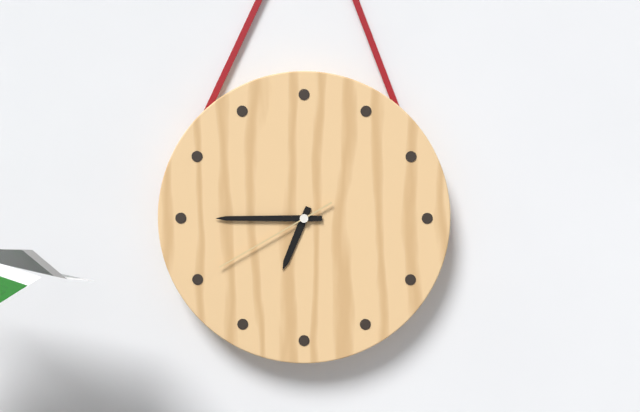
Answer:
6h45m40s
